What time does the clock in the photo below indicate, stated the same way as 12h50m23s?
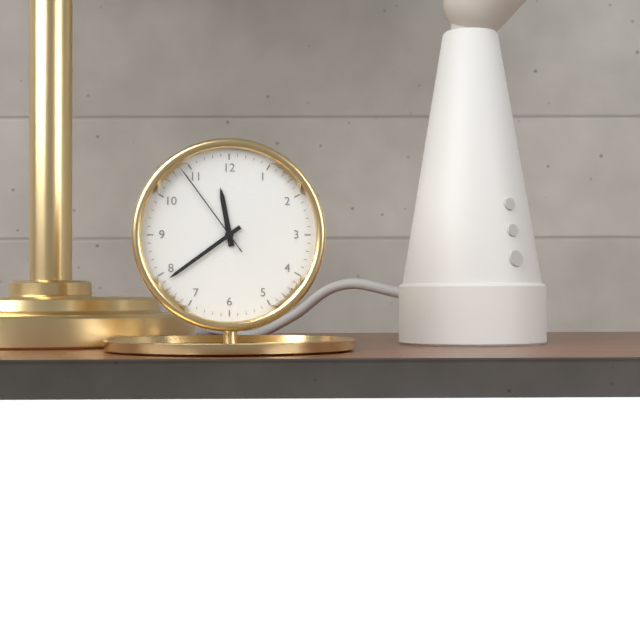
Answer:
11h39m54s
